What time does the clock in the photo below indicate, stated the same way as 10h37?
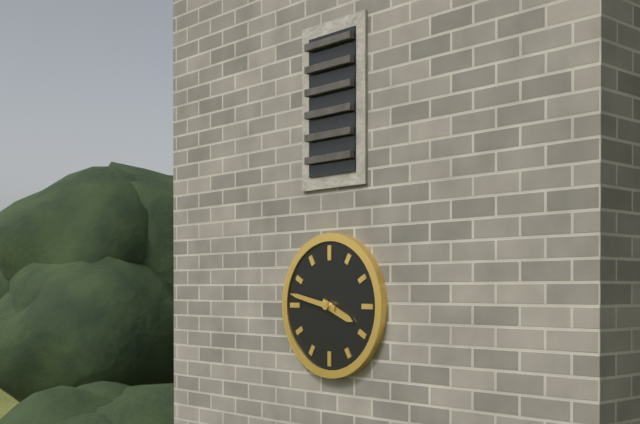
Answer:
3h47
